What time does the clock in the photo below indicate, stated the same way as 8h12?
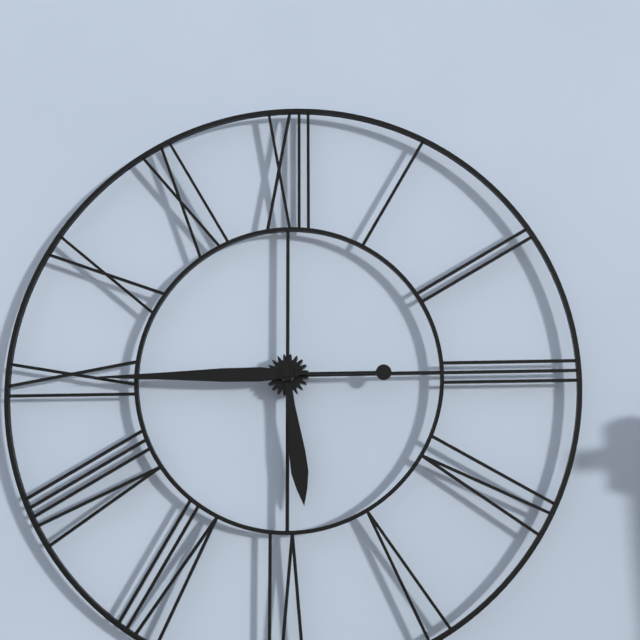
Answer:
5h45
